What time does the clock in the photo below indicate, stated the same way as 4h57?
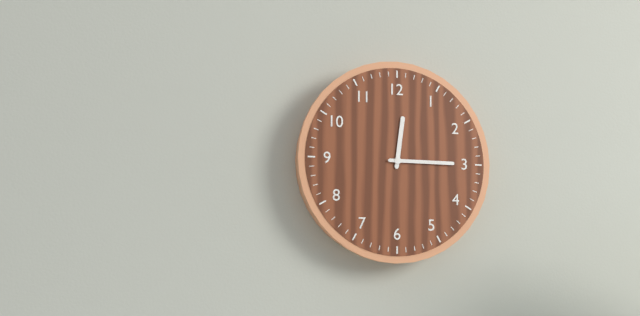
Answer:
12h15
